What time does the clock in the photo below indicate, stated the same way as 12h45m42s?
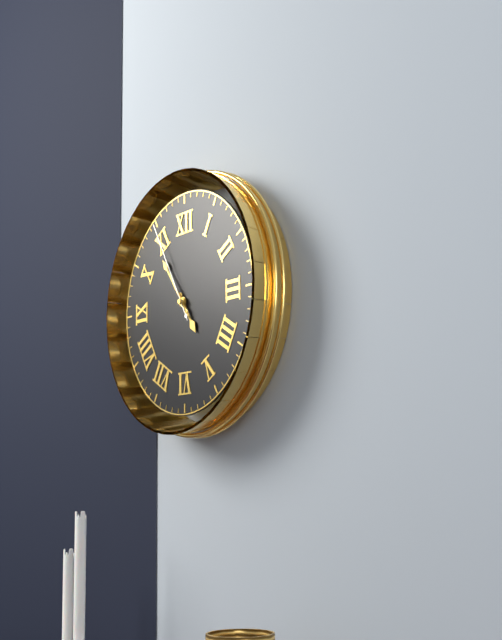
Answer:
4h54m55s
